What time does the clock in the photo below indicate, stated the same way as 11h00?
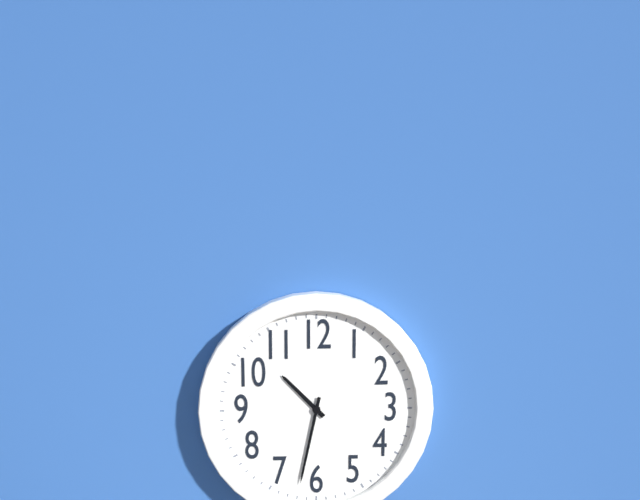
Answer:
10h32
